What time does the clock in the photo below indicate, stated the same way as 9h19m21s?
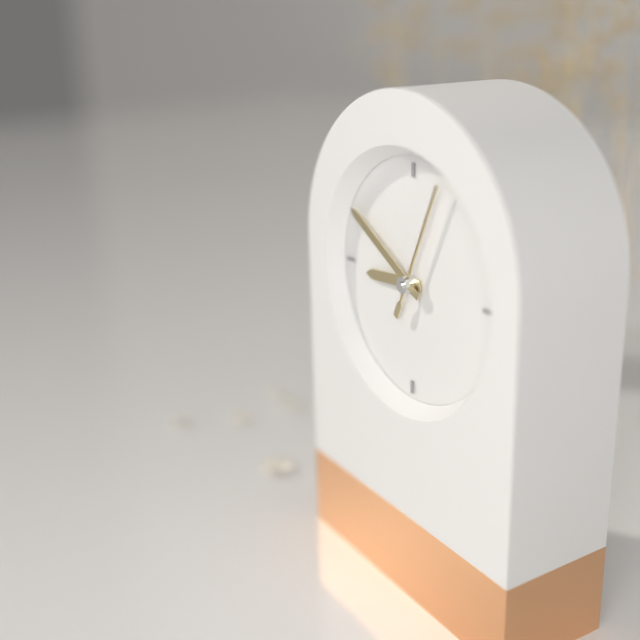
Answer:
8h50m04s
